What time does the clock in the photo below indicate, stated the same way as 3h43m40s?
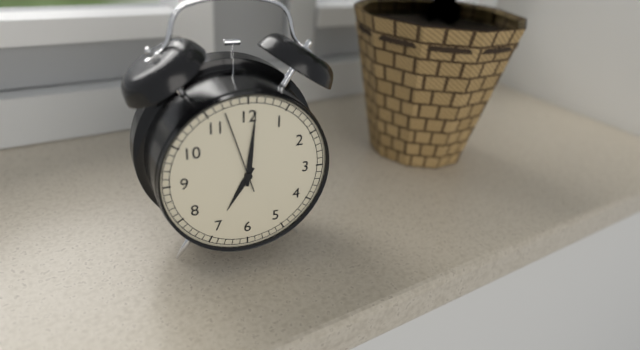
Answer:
7h01m57s
